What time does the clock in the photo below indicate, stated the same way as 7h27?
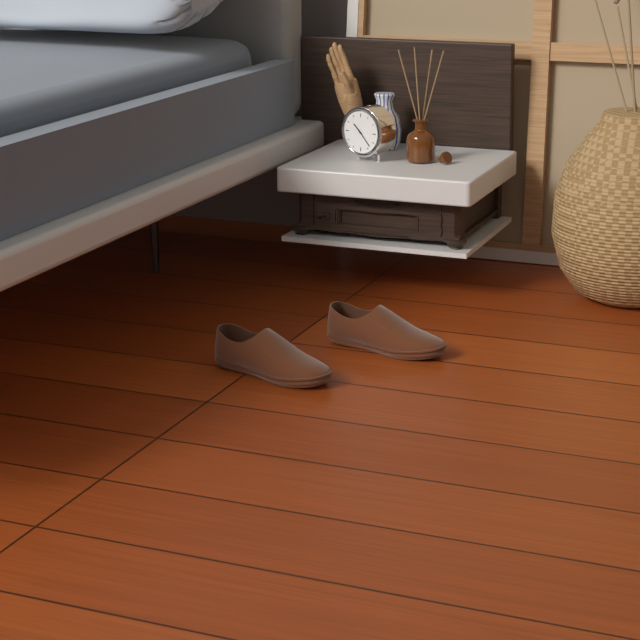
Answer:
10h23
